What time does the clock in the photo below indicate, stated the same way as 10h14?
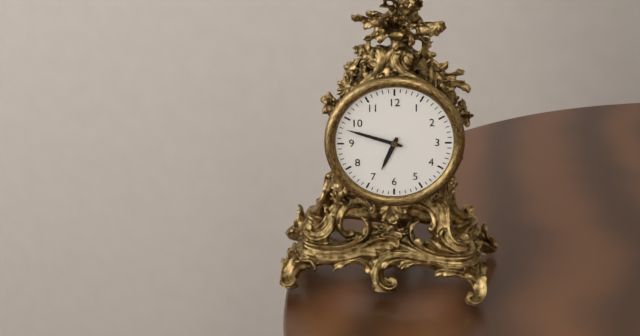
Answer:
6h48
